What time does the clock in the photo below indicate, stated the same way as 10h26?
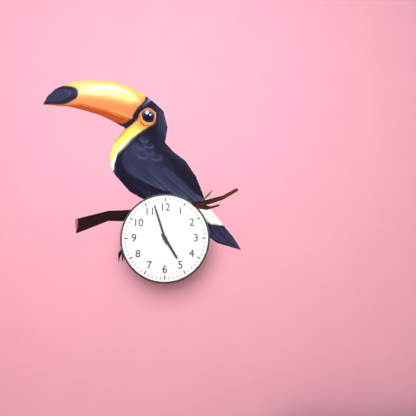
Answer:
4h57
